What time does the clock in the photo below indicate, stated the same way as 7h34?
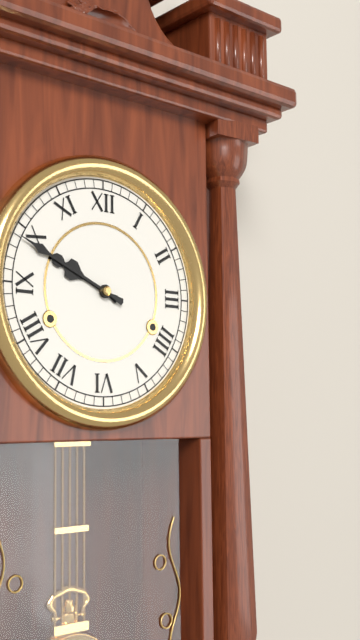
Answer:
9h49
